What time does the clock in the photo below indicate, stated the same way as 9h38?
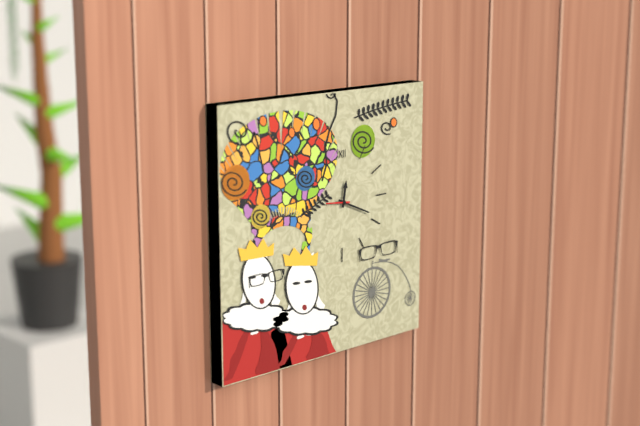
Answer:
12h19
